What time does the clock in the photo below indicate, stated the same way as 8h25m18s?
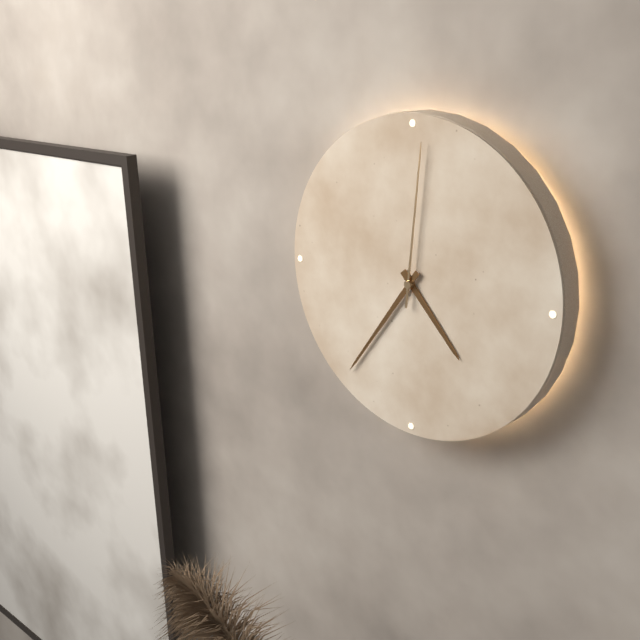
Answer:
4h36m01s
